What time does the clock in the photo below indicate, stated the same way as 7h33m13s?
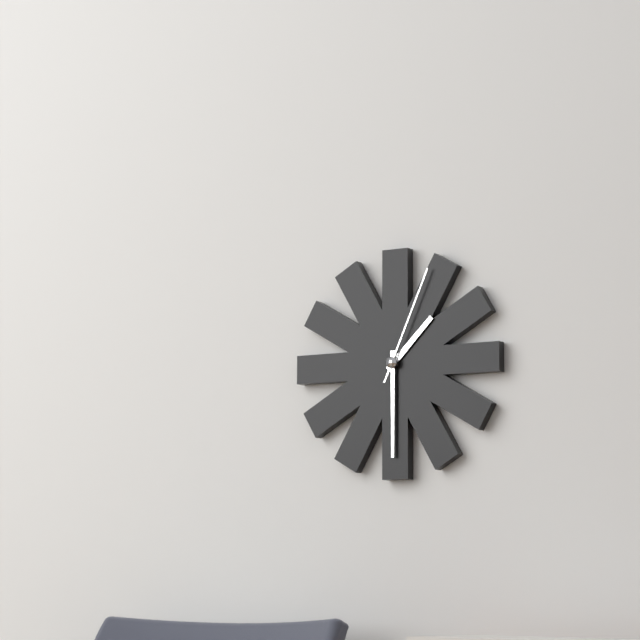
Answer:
1h30m04s
